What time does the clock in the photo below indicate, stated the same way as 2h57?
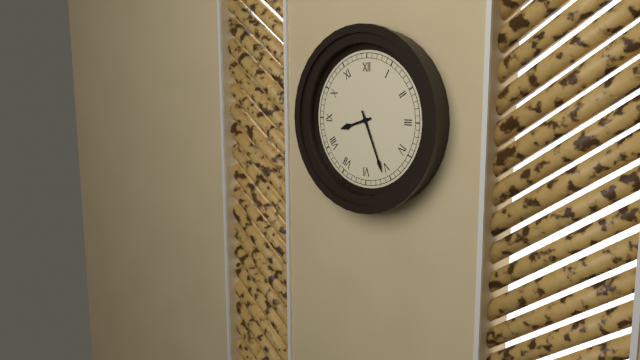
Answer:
8h26
